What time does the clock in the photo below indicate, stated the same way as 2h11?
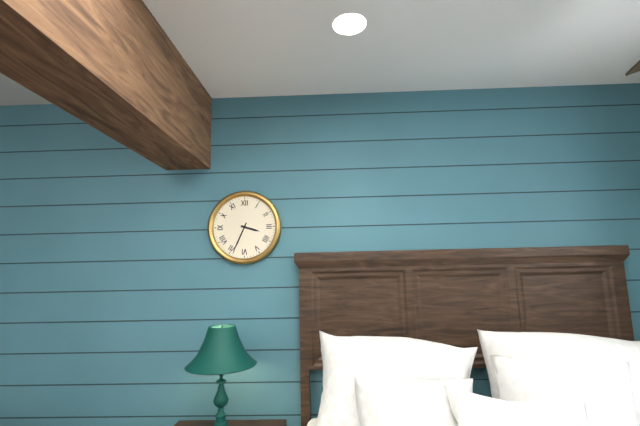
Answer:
3h34
